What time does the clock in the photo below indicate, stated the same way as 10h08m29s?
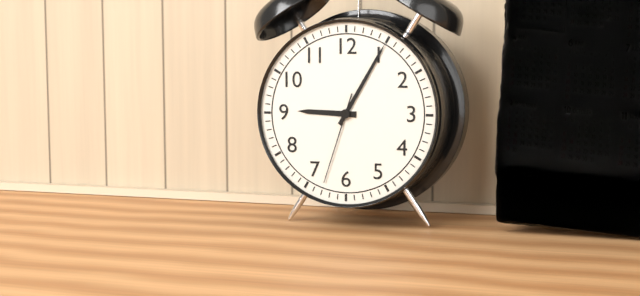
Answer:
9h05m33s
